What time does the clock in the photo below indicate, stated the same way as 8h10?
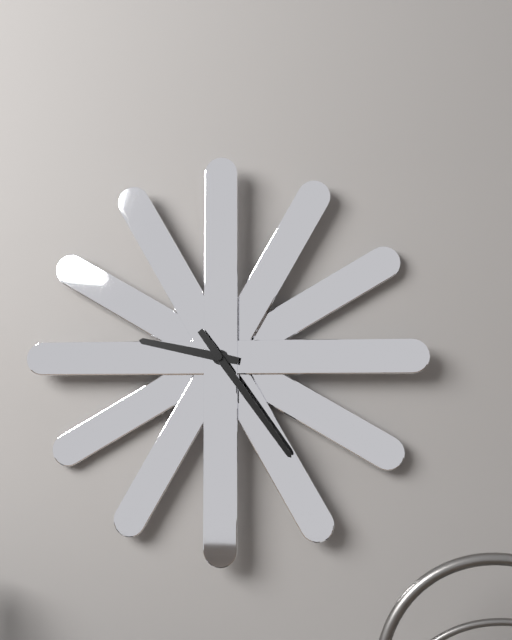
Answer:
9h24
